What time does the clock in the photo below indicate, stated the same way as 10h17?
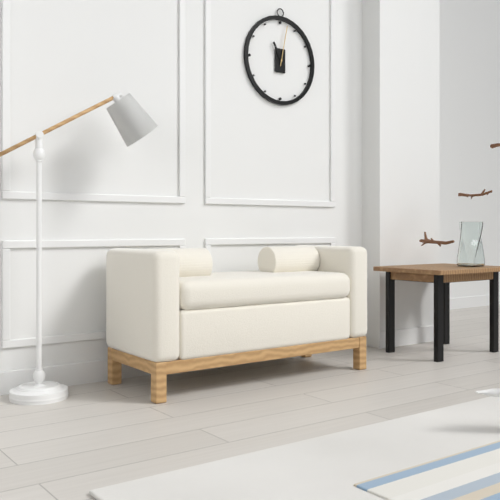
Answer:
11h02
